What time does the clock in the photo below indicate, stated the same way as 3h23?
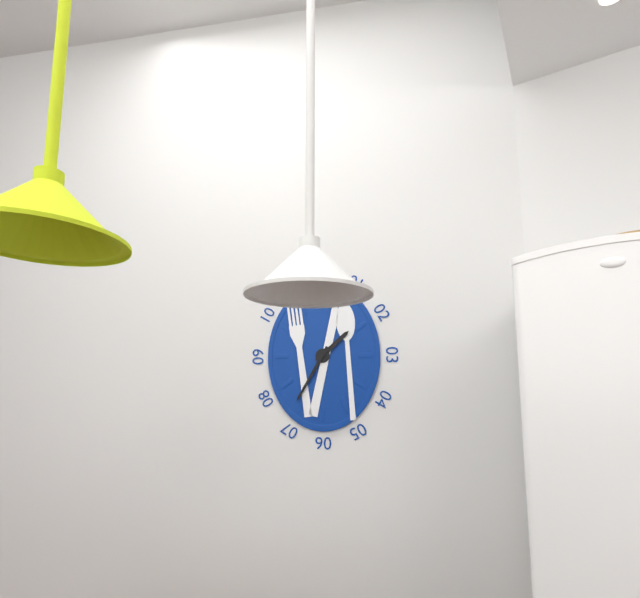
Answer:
1h35
